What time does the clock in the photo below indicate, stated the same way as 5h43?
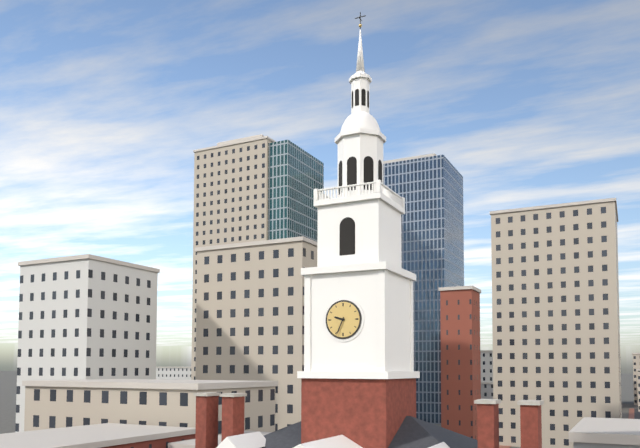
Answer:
9h34
